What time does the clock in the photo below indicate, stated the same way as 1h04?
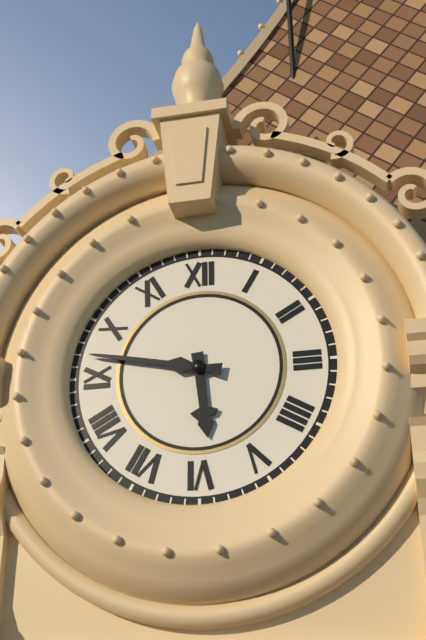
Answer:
5h47
